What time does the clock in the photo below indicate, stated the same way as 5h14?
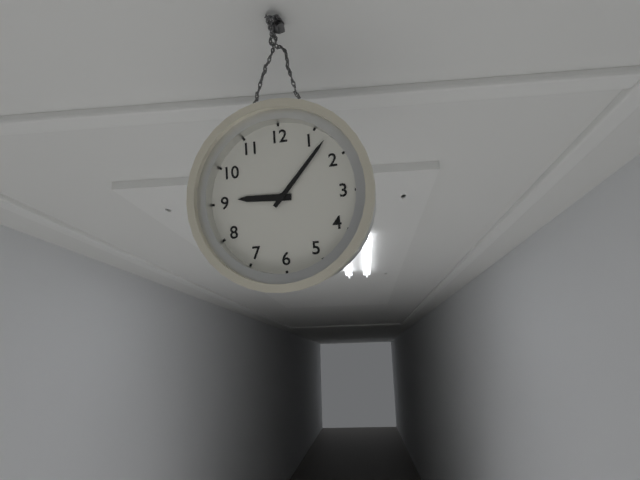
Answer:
9h07
